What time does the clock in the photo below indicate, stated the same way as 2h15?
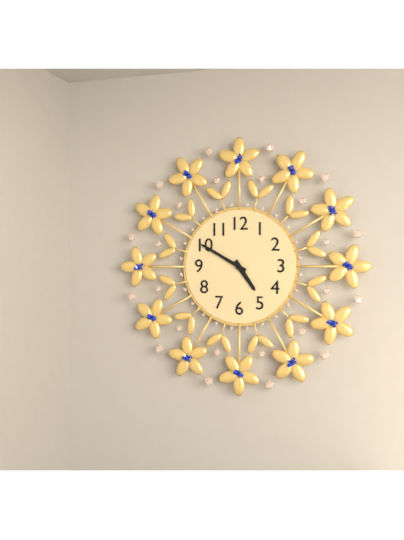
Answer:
4h50
